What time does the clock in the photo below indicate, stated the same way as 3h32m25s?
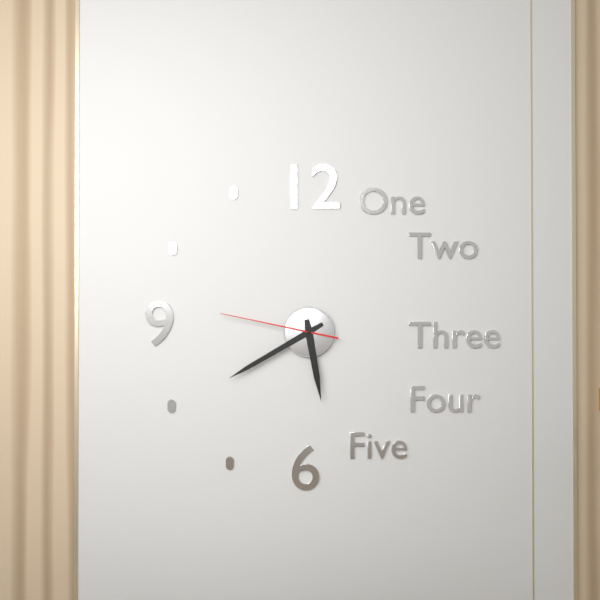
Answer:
5h40m47s
